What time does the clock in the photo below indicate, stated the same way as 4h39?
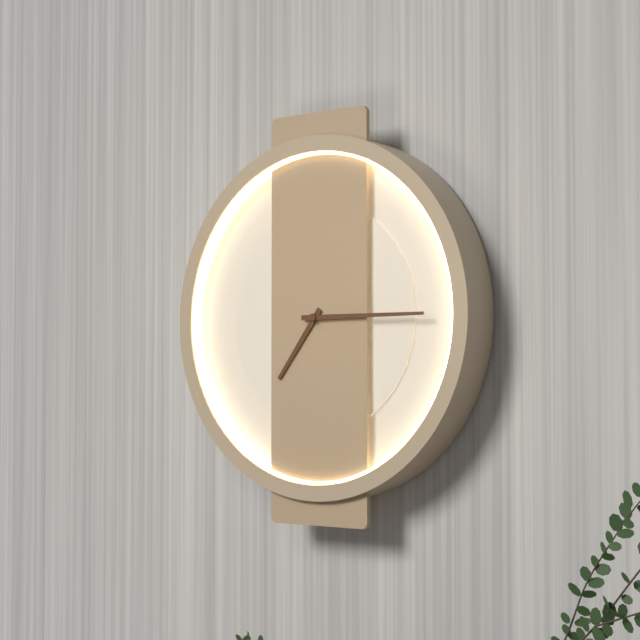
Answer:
7h15
